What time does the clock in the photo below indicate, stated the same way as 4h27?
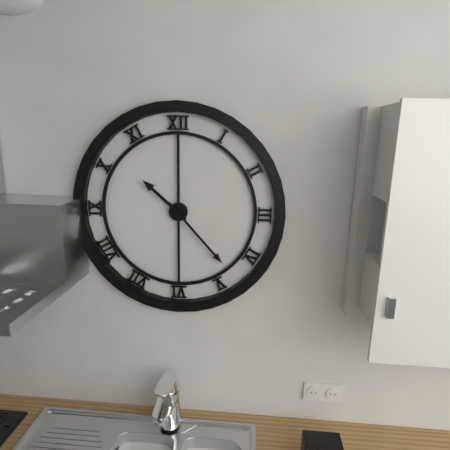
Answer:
10h23
